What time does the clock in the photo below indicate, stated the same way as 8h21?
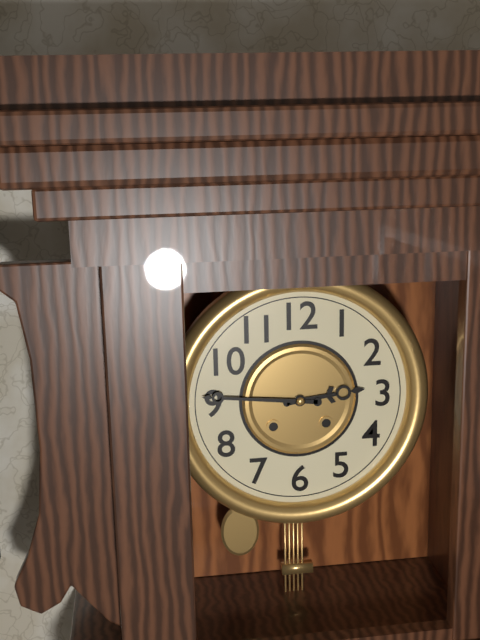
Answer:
2h46
